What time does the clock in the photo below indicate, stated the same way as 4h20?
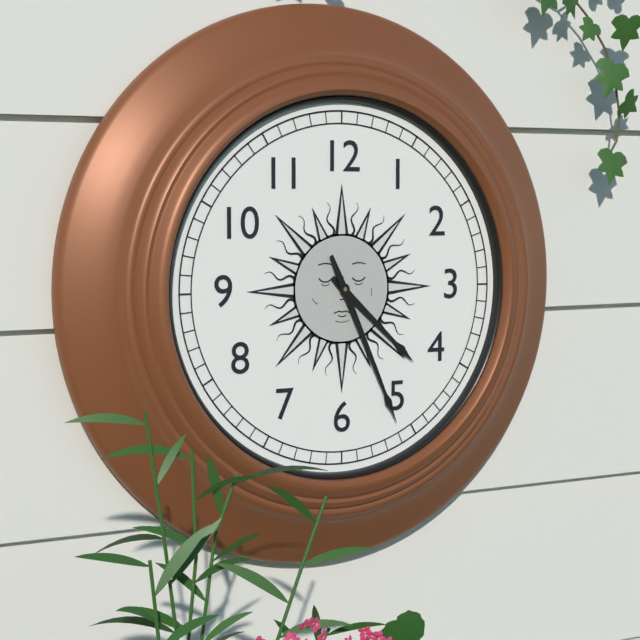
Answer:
4h26
